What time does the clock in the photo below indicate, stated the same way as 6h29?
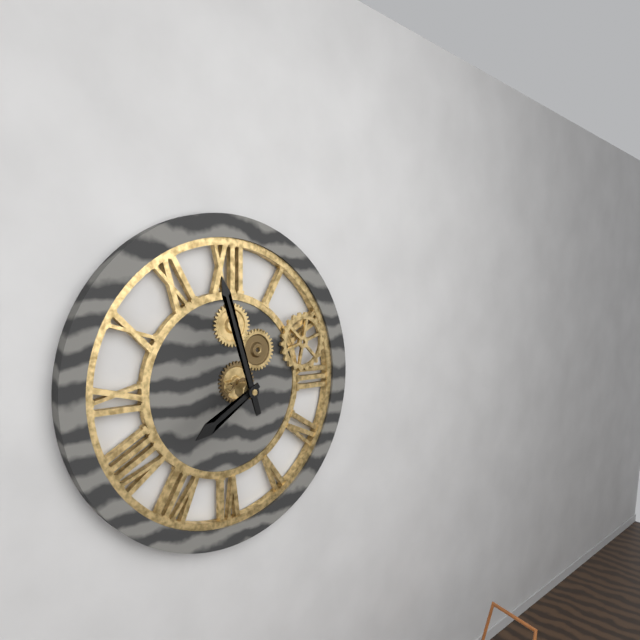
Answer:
7h57
